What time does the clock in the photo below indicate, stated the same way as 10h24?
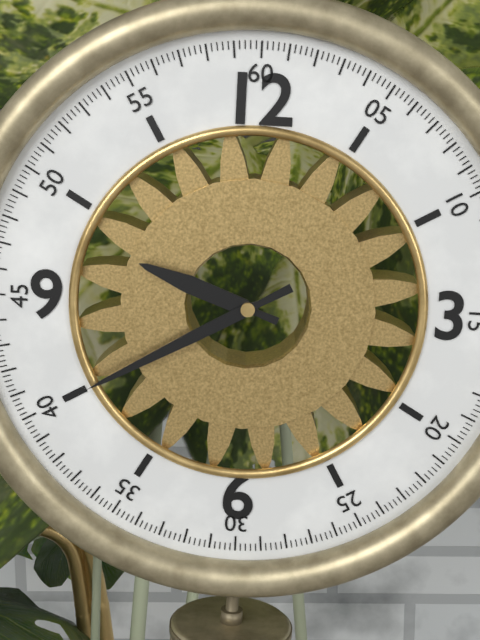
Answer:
9h40
